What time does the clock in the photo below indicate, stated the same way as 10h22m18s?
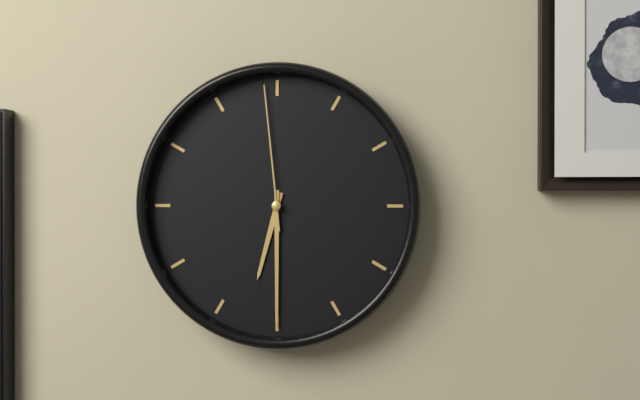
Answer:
6h30m59s
